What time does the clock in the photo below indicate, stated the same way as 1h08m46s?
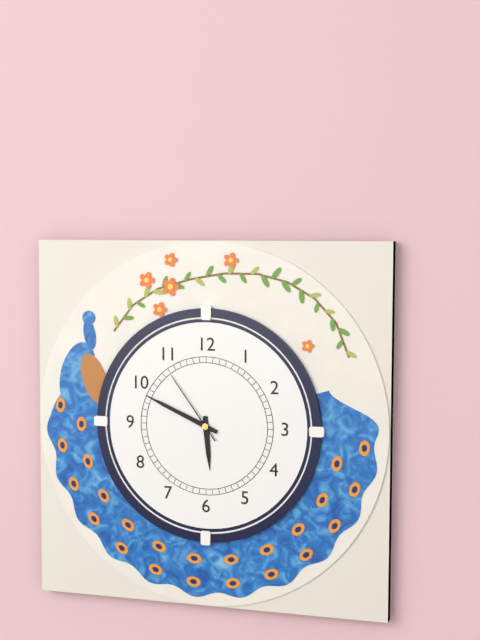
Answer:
5h49m54s
